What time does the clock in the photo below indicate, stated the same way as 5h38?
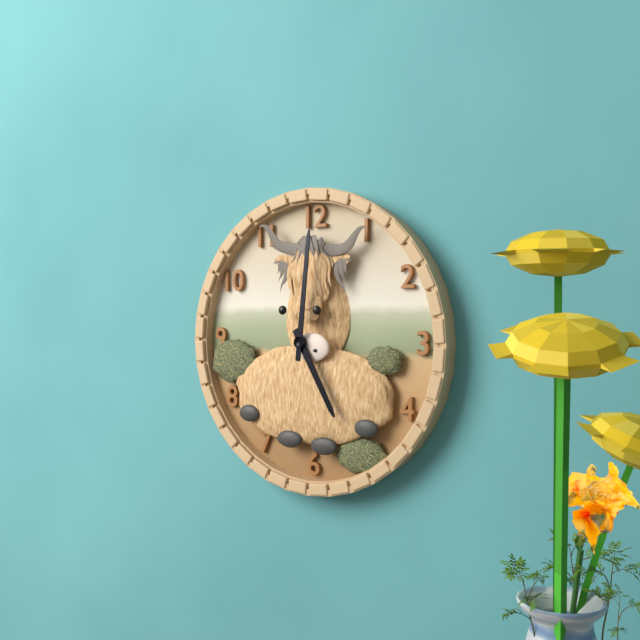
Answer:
5h01
